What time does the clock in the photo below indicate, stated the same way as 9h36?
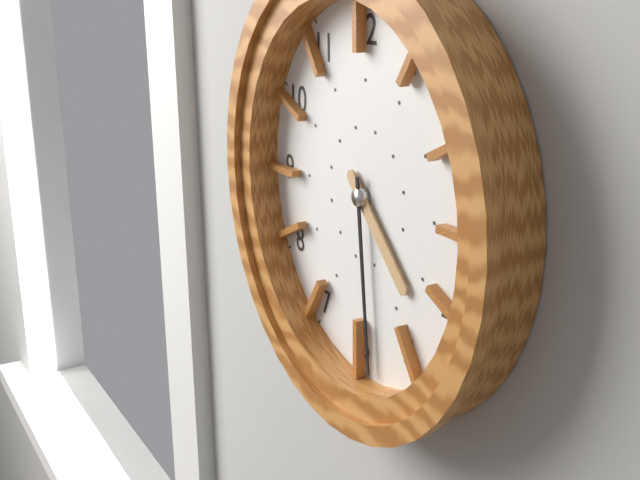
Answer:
4h29
